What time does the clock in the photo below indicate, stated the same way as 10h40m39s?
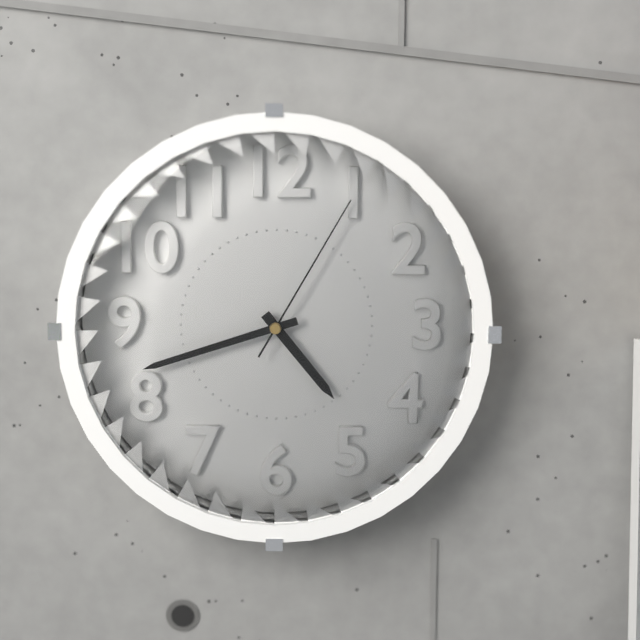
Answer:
4h42m05s
